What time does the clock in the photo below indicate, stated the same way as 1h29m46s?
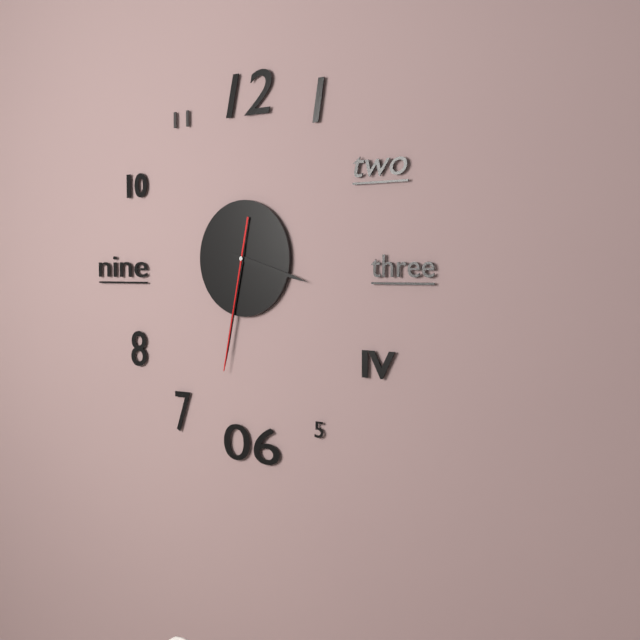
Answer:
3h32m32s
